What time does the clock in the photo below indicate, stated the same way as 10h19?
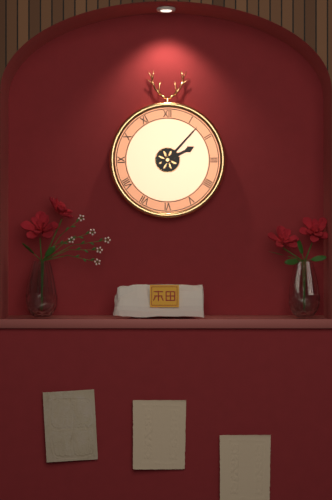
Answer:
2h07
